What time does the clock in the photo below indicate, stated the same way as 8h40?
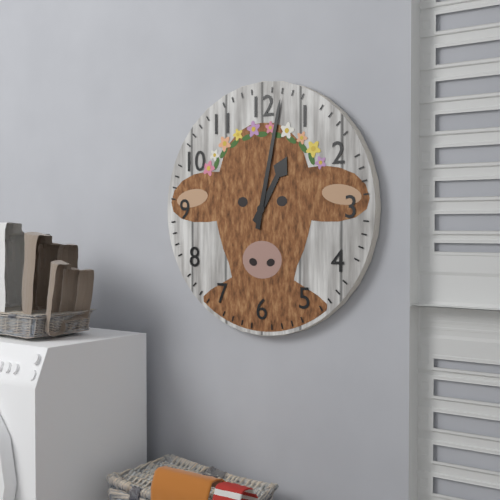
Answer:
1h02
